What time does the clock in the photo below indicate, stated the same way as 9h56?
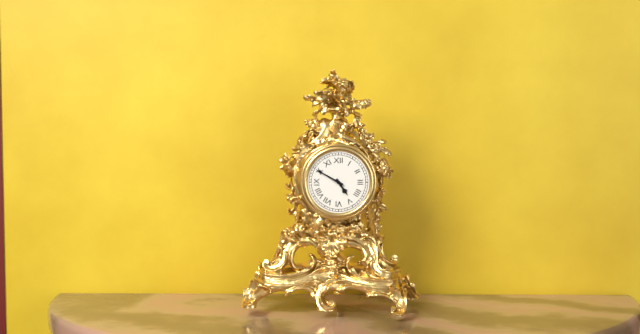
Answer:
4h50
